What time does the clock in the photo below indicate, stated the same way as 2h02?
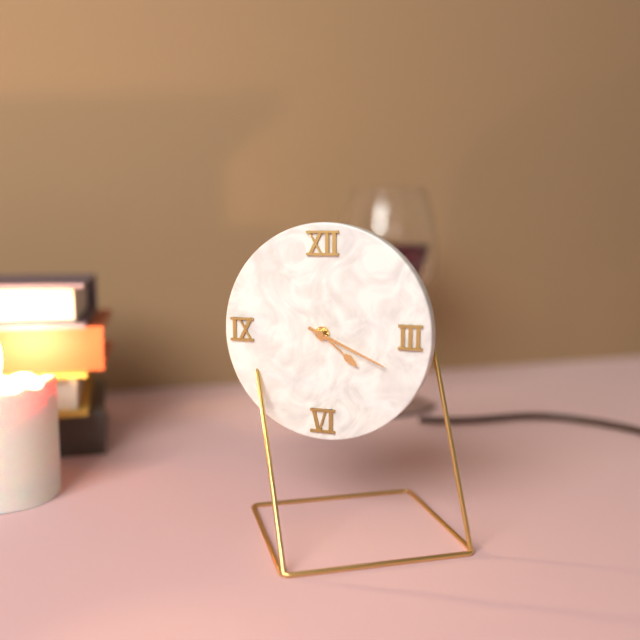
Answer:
4h19
